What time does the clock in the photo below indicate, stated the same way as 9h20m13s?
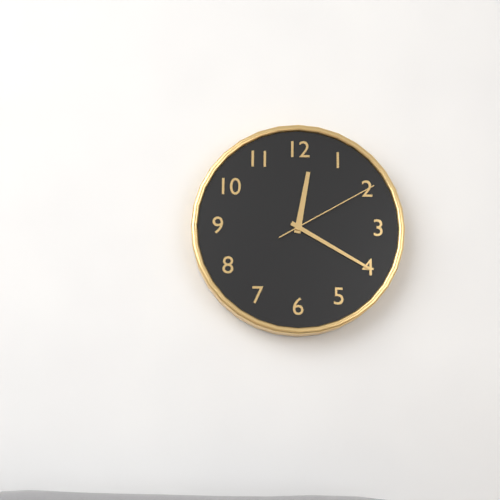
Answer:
12h20m10s
